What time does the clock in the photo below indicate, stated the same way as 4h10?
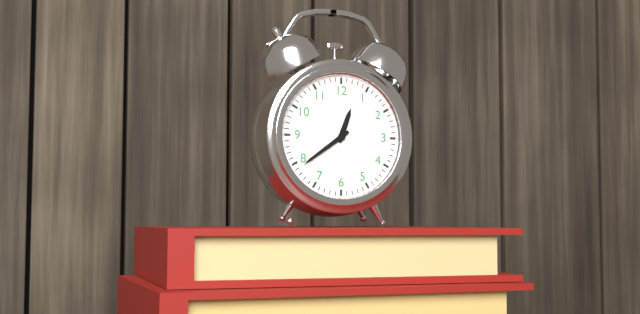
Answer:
12h39
